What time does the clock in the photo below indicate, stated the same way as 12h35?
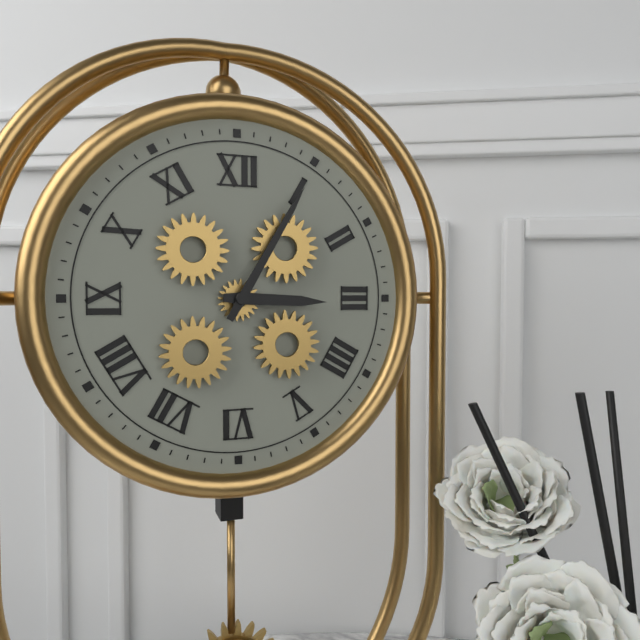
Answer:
3h05
